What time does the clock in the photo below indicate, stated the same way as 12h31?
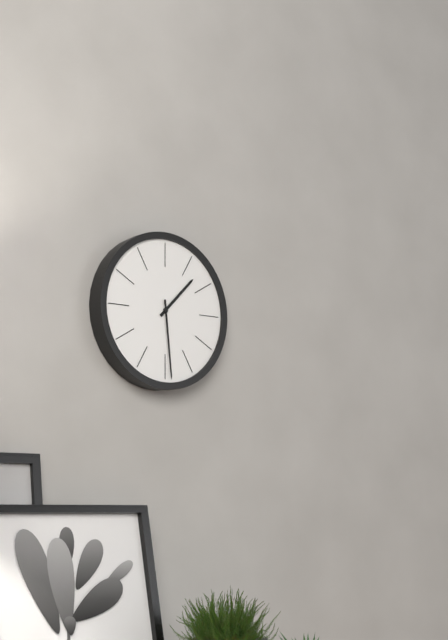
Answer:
1h29
